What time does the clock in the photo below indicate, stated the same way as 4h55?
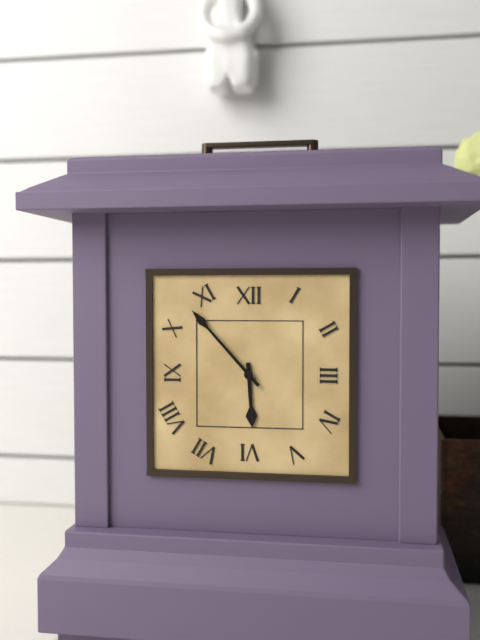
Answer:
5h53
